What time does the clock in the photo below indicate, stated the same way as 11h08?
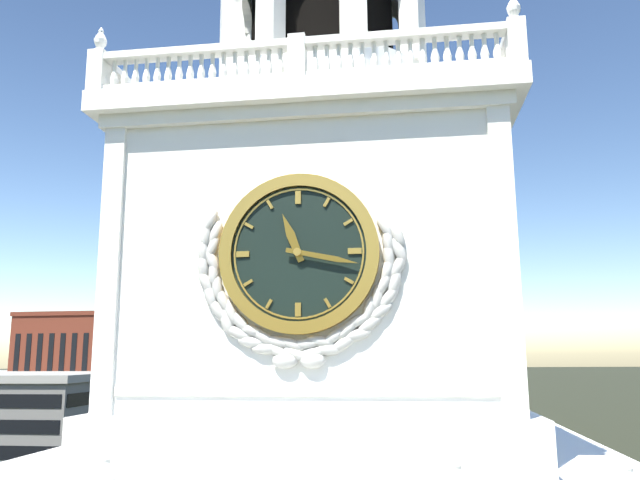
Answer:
11h17
